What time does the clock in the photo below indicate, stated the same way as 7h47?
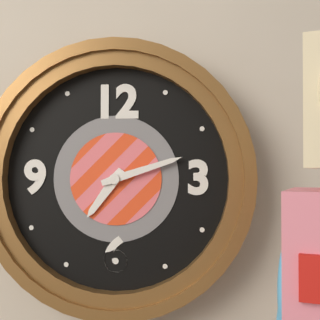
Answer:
7h12
